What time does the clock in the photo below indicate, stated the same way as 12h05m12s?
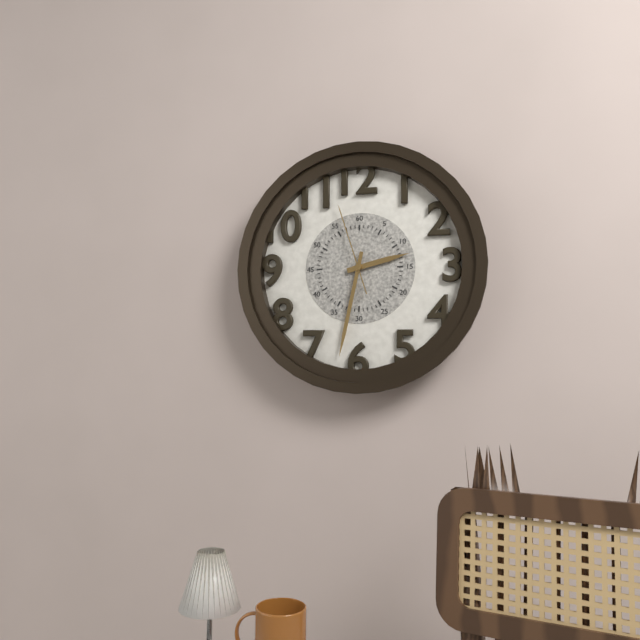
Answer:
2h32m57s
